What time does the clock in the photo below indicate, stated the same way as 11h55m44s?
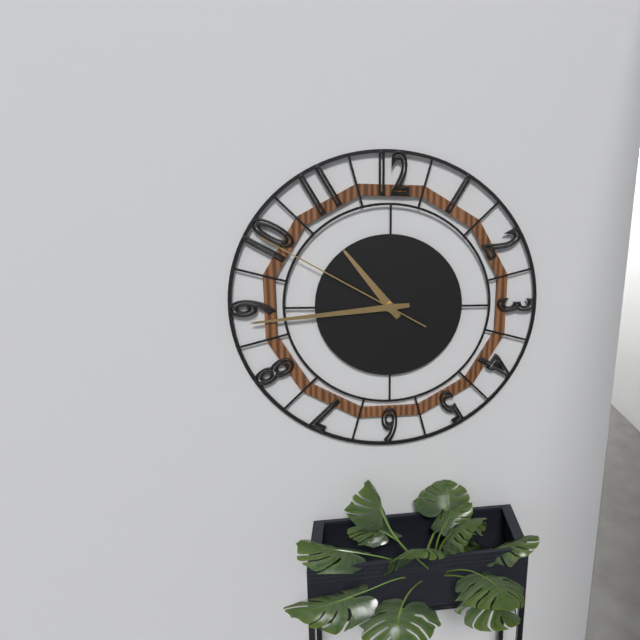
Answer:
10h44m50s
